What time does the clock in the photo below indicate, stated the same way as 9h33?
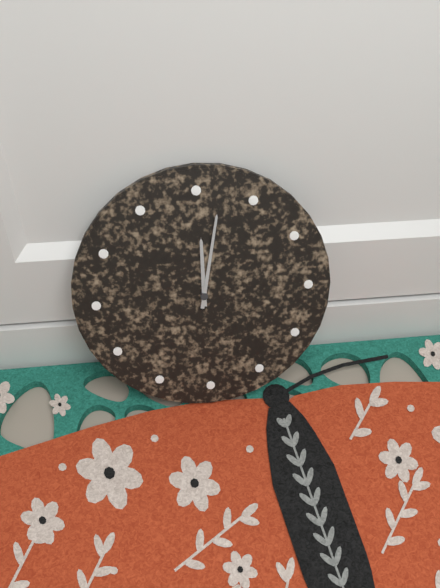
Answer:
12h02
